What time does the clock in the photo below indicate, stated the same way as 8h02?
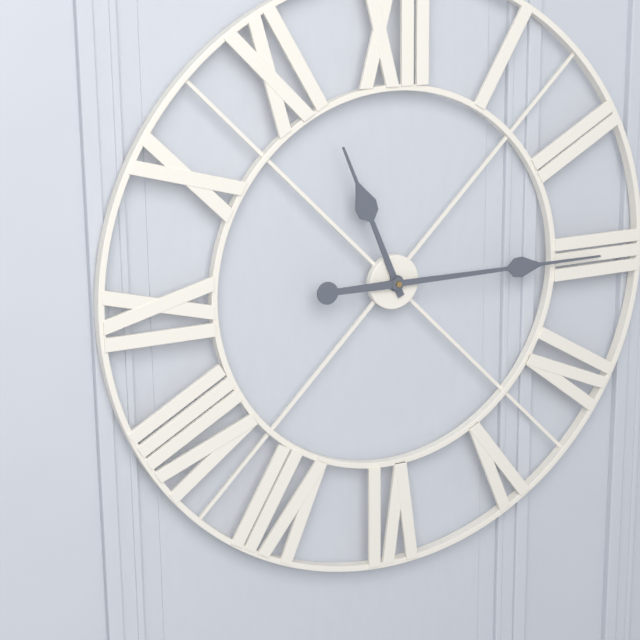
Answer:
11h15
